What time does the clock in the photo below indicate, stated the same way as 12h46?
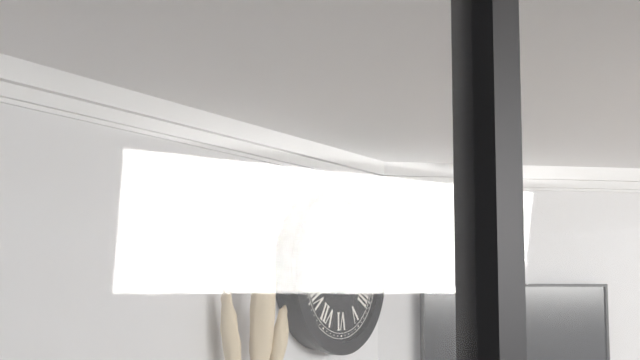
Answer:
1h02
